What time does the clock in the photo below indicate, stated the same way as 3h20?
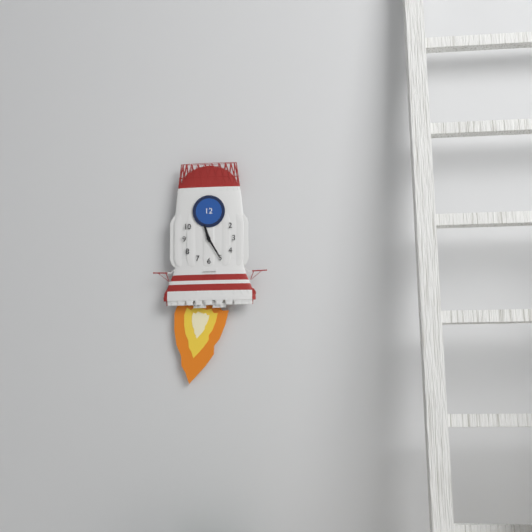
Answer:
11h25
